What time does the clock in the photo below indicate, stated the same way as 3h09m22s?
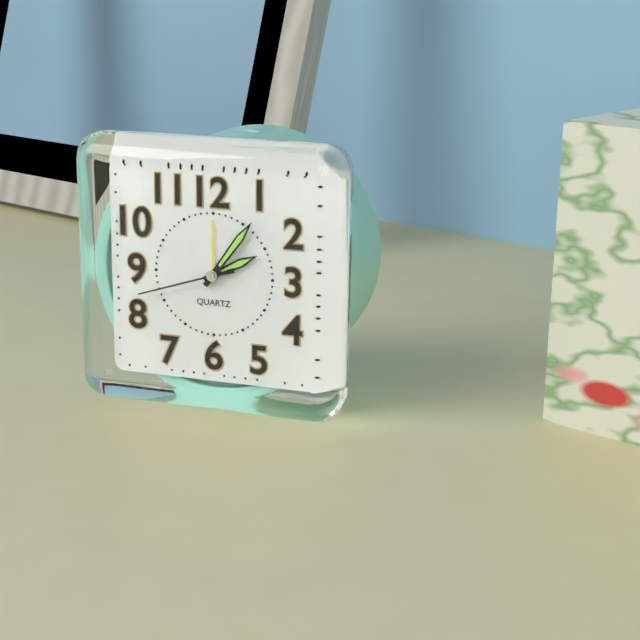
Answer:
2h06m42s
